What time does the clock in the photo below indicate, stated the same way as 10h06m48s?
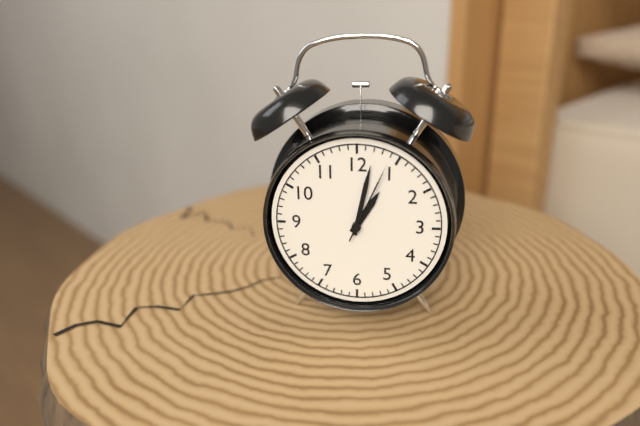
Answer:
1h02m04s
